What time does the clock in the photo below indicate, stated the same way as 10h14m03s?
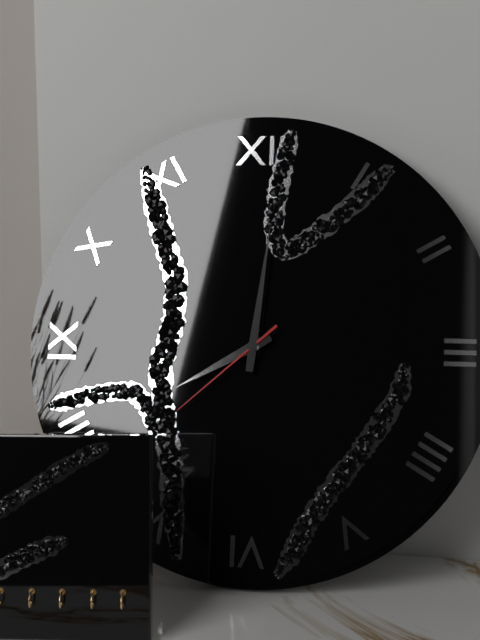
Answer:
8h01m38s
